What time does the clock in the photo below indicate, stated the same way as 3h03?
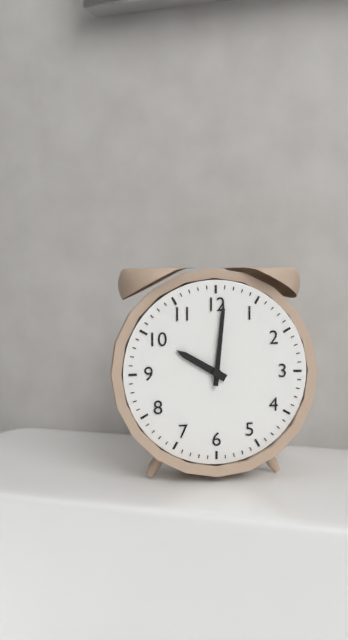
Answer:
10h01
